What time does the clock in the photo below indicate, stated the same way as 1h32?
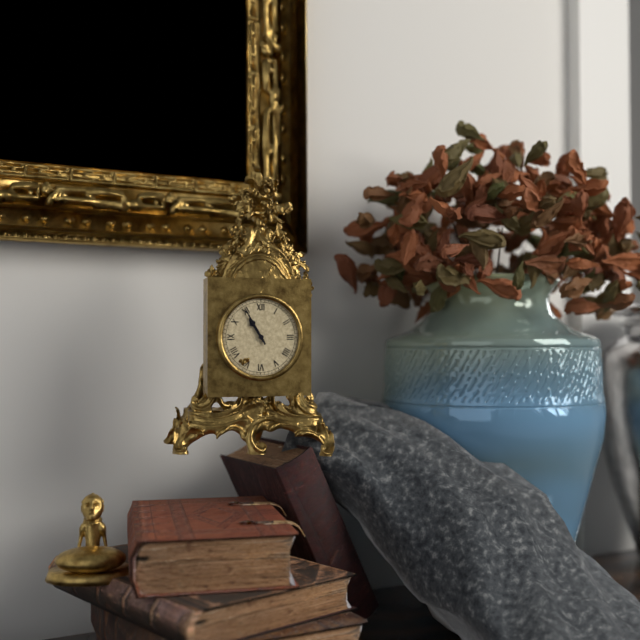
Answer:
10h55
